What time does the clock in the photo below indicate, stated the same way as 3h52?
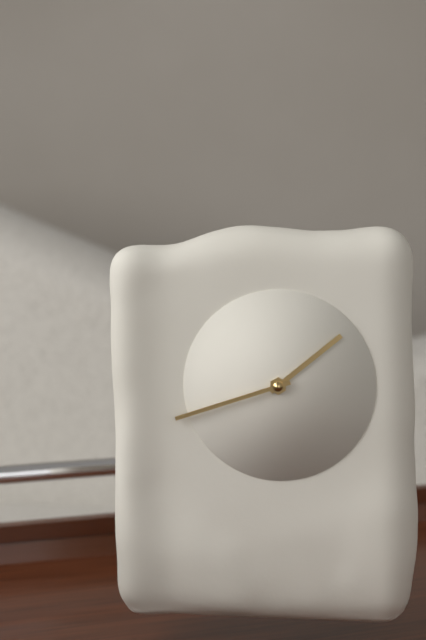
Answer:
1h42
